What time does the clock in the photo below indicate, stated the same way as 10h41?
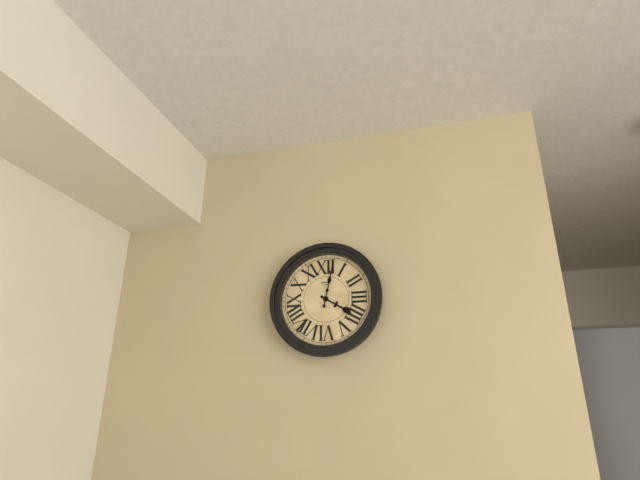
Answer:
4h02
